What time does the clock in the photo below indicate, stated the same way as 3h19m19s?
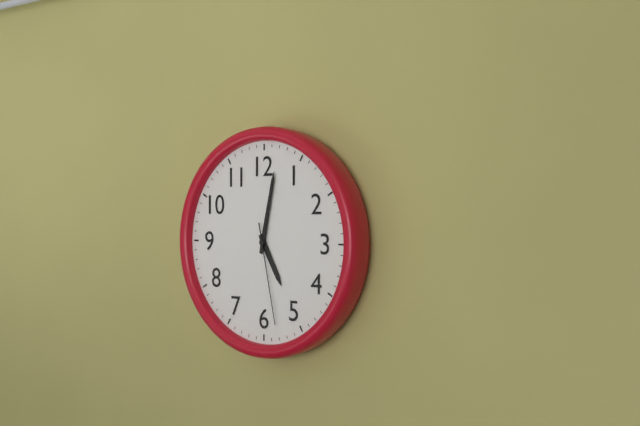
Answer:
5h02m28s
